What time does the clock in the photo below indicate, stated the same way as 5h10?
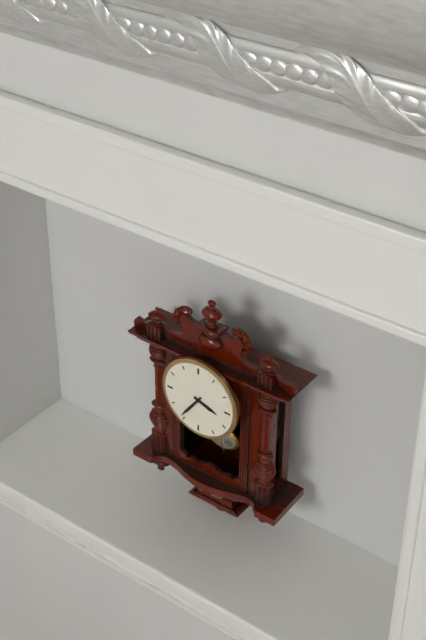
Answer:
3h36
